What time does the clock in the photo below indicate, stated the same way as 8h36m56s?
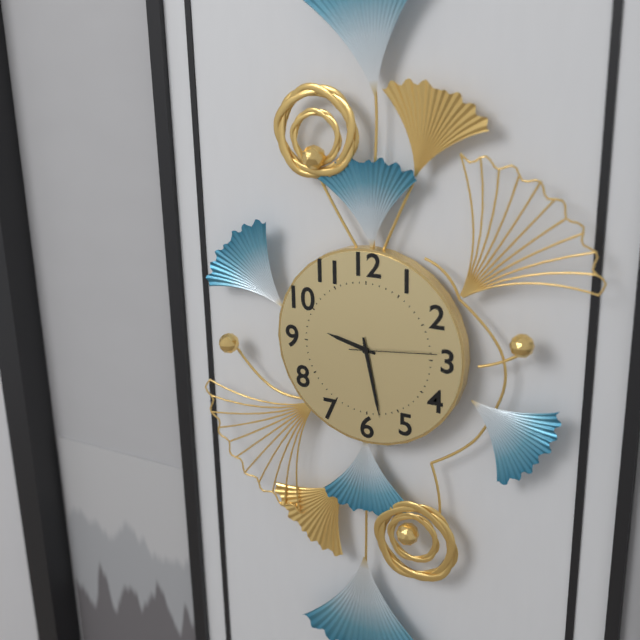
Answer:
9h28m14s
